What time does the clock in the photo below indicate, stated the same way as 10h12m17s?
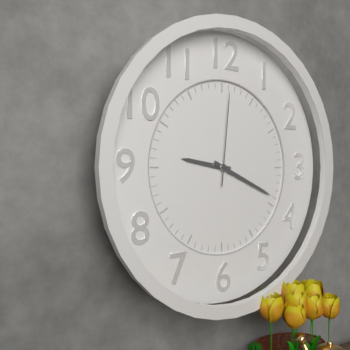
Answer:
9h19m01s
